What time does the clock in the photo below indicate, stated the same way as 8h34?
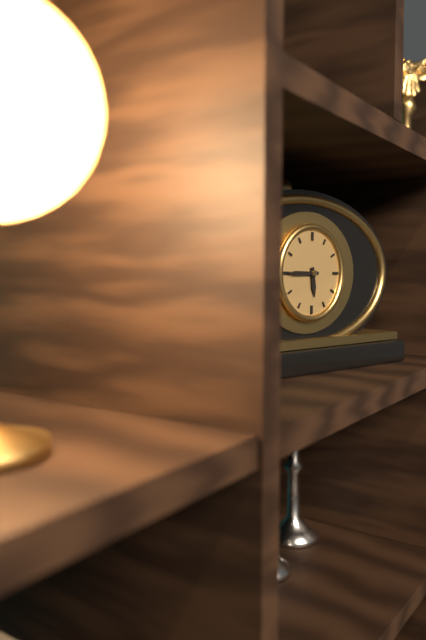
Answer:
5h45
